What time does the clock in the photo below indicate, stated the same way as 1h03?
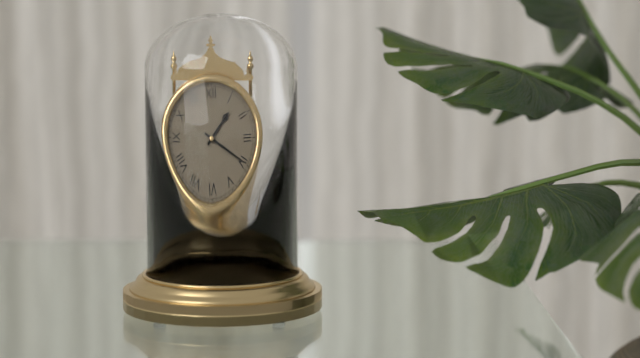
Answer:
1h20
